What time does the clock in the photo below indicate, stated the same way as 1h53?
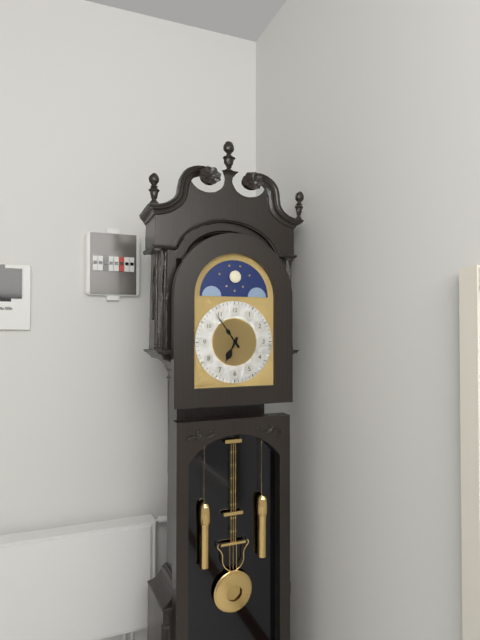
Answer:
6h54
